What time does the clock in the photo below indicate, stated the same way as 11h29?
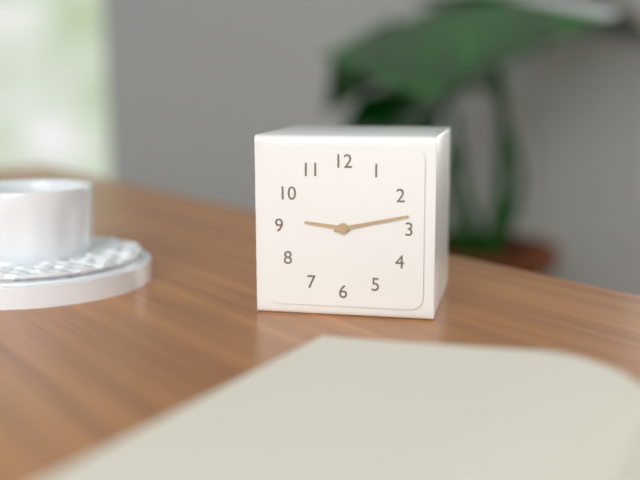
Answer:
9h13
